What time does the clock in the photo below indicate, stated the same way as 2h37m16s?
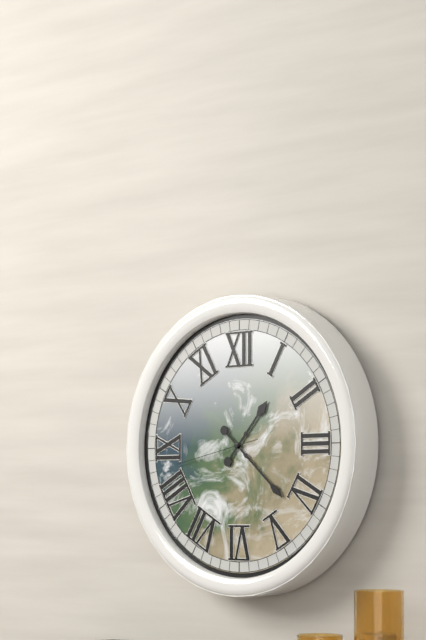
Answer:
1h22m43s
